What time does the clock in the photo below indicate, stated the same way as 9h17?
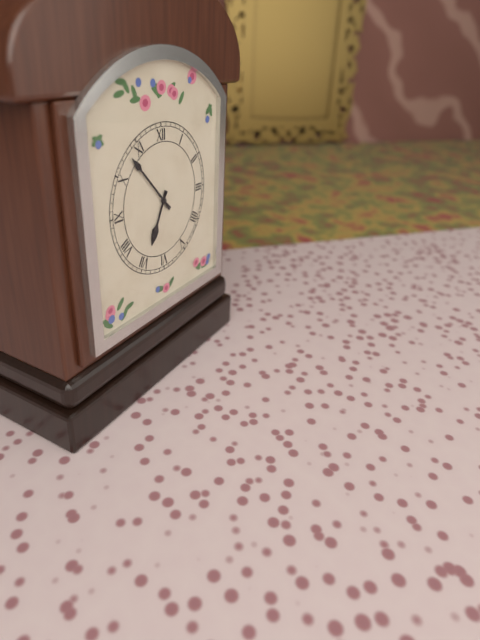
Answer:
6h53
